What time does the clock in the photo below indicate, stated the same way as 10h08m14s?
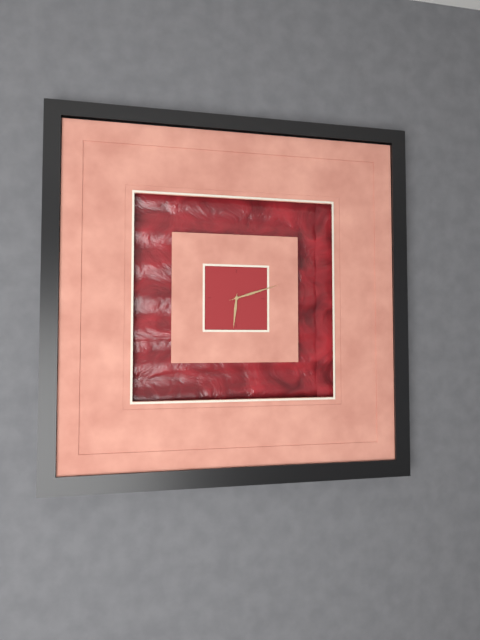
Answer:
6h12m12s
